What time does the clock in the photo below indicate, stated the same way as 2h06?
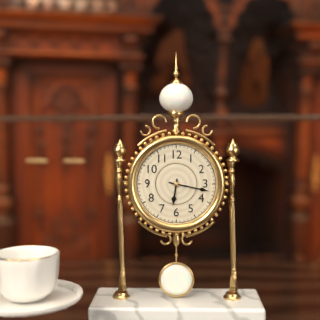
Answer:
6h17
